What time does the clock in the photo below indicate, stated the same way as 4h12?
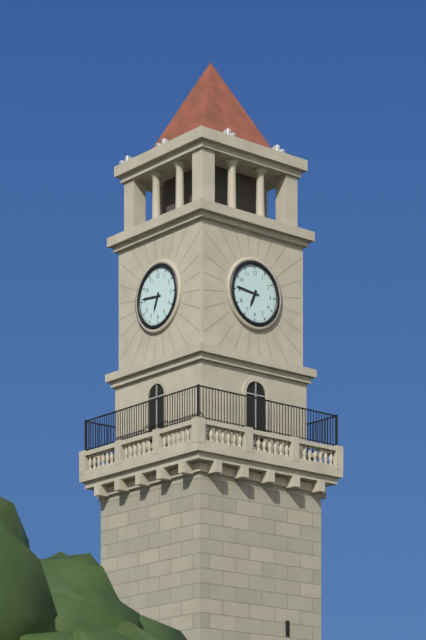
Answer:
6h46
